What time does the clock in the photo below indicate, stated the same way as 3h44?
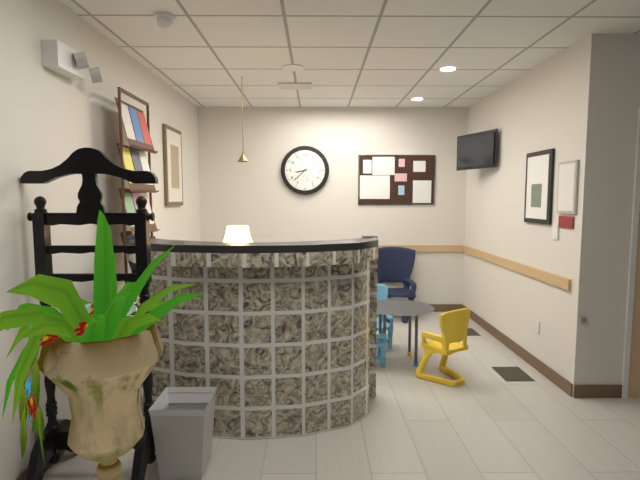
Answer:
8h38
